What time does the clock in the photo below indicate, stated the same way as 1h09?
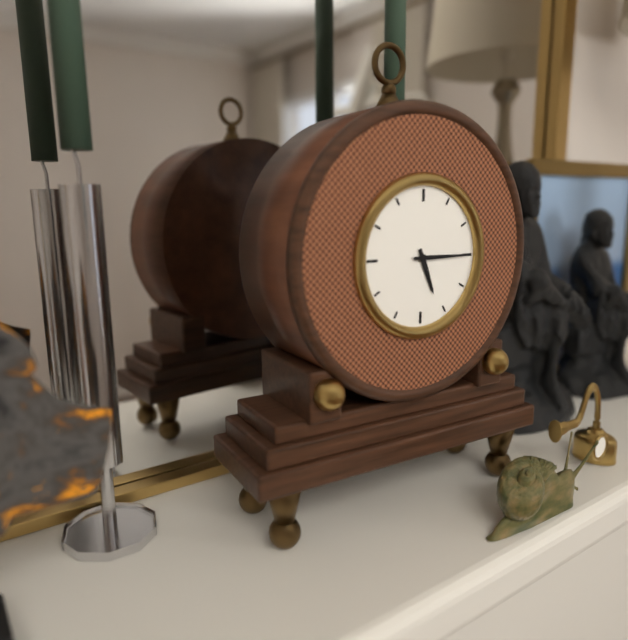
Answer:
5h15
